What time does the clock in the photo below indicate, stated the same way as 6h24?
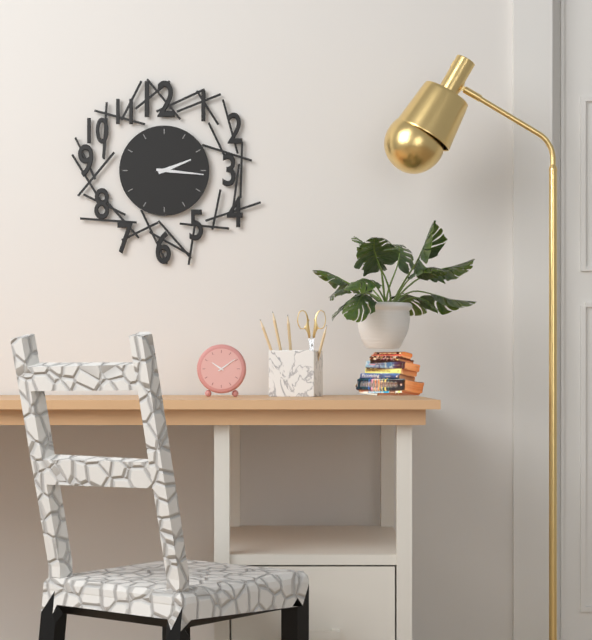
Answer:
2h16
